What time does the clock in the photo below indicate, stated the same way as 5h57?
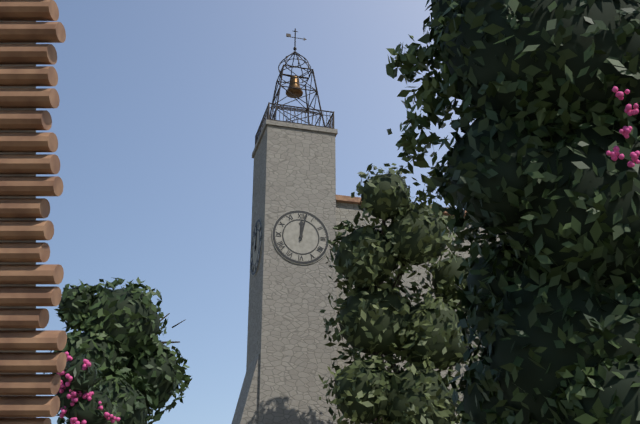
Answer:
12h02
